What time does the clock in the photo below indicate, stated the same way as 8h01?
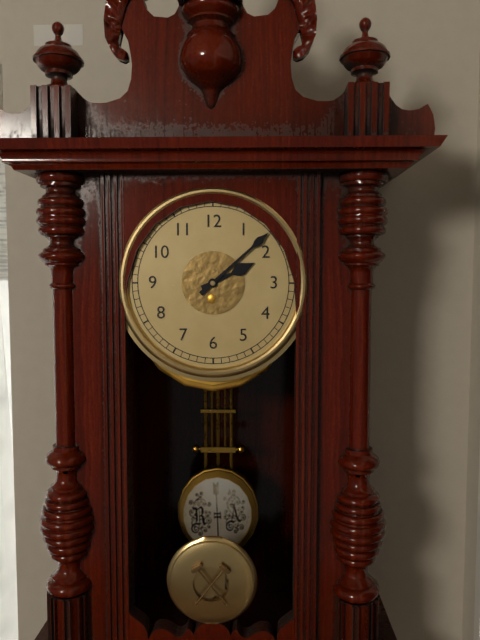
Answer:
2h08
